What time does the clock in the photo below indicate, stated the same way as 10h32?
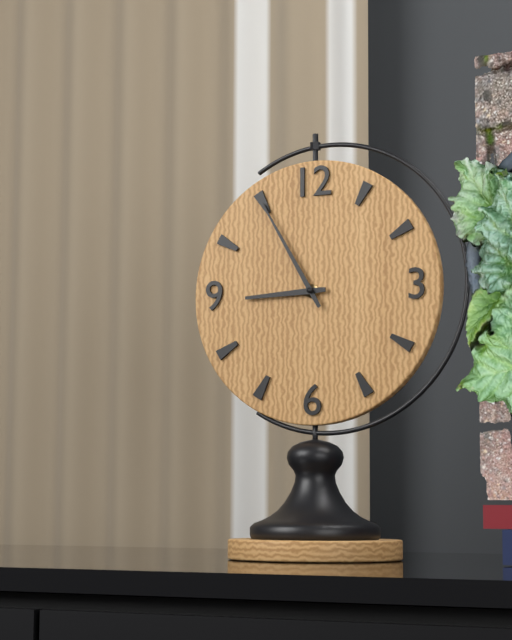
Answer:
8h55
